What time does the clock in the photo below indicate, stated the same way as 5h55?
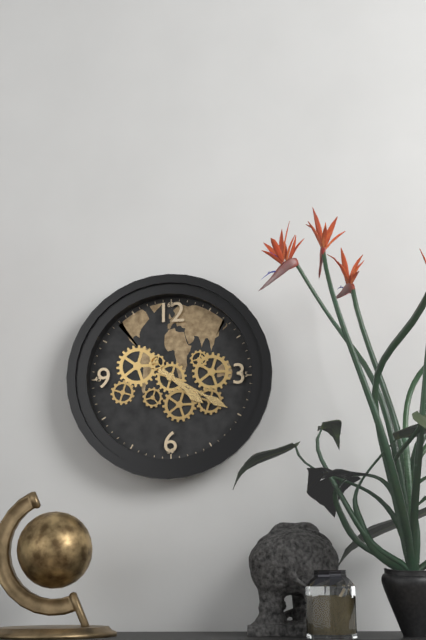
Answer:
4h20
